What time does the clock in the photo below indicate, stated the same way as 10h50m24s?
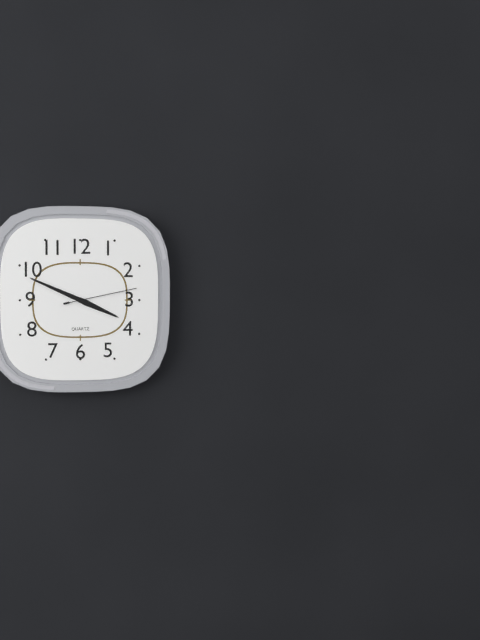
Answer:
3h49m13s
